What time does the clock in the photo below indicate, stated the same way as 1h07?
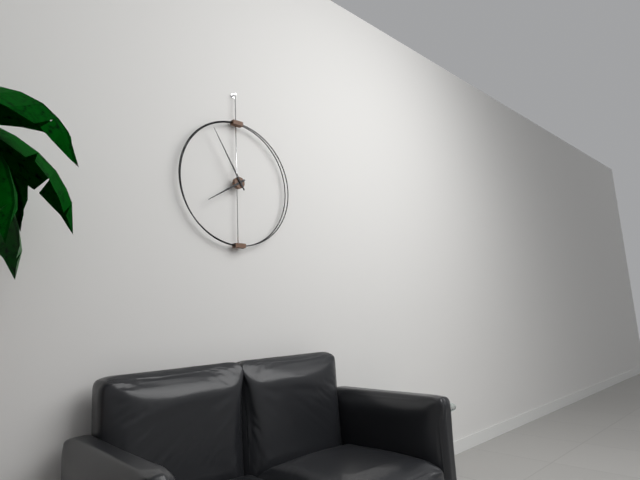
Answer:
7h55
